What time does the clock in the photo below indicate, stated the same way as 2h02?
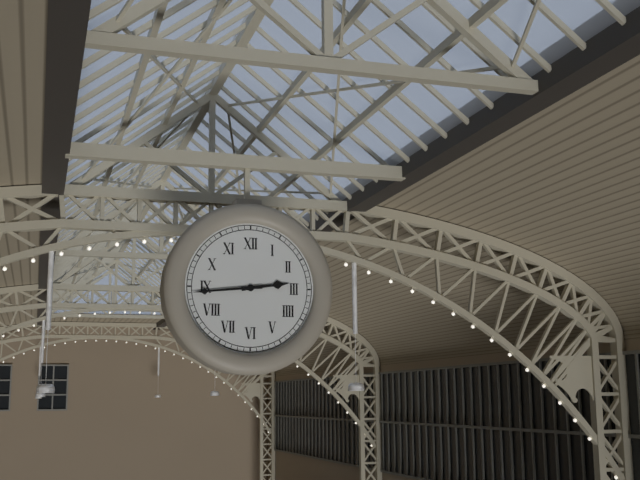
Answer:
2h44
